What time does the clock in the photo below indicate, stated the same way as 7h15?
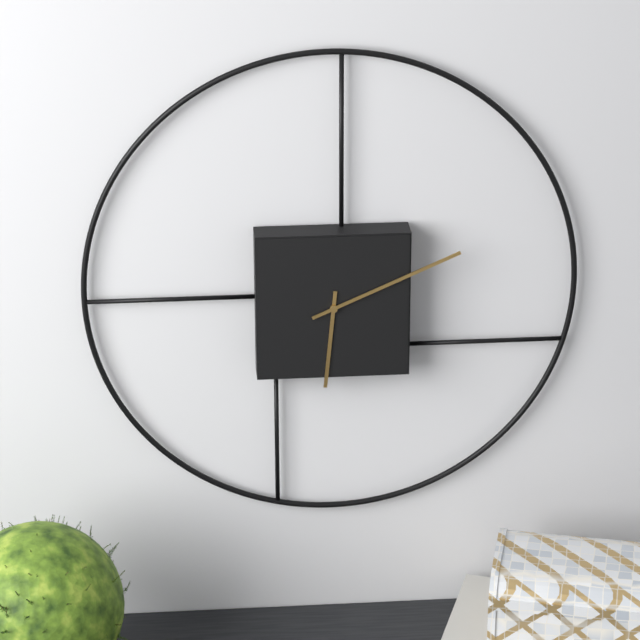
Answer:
6h11
